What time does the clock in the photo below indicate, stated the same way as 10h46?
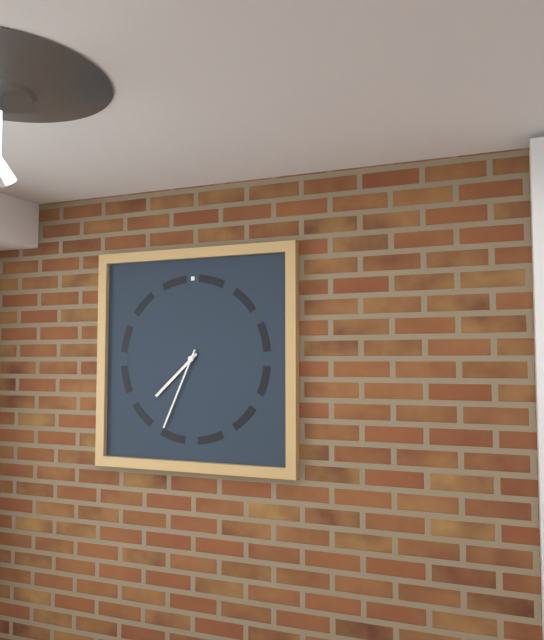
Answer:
7h34
